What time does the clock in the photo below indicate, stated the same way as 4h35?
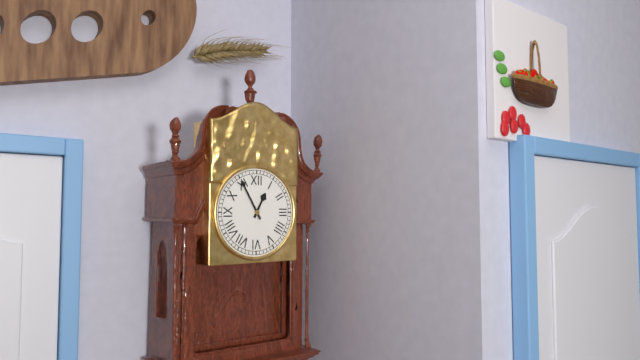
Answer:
12h55
